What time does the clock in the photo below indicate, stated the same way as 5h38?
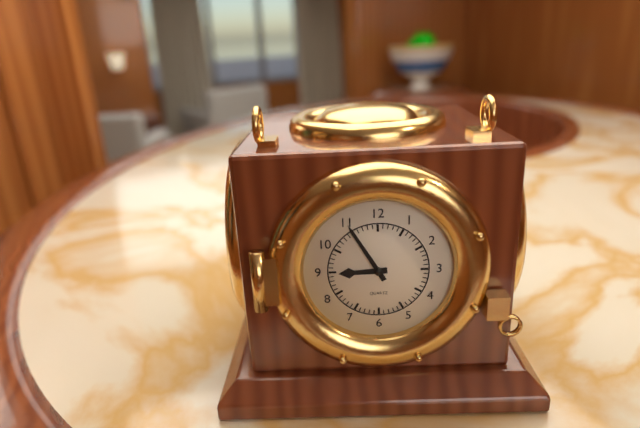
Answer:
8h55
